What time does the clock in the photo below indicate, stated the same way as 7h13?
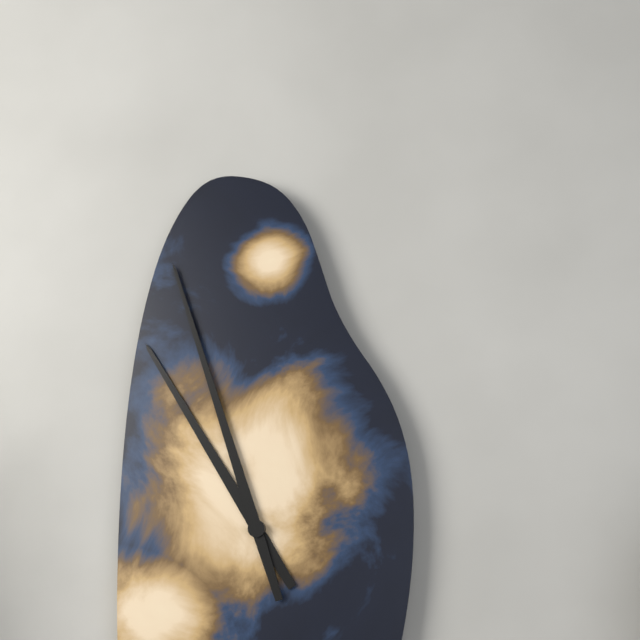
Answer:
10h57
